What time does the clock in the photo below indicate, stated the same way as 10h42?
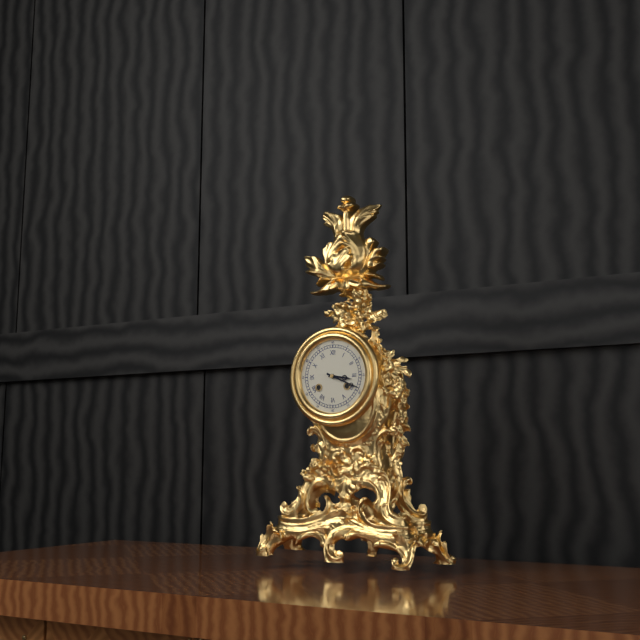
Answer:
3h19
